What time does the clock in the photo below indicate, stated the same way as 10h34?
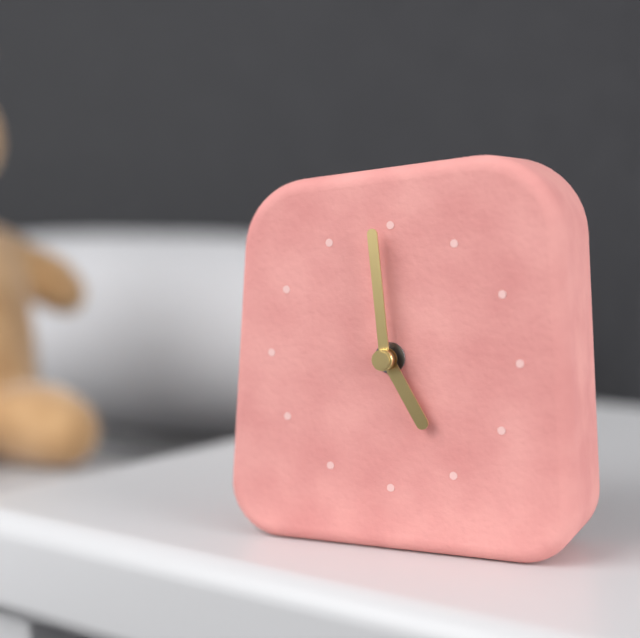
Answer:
4h59
